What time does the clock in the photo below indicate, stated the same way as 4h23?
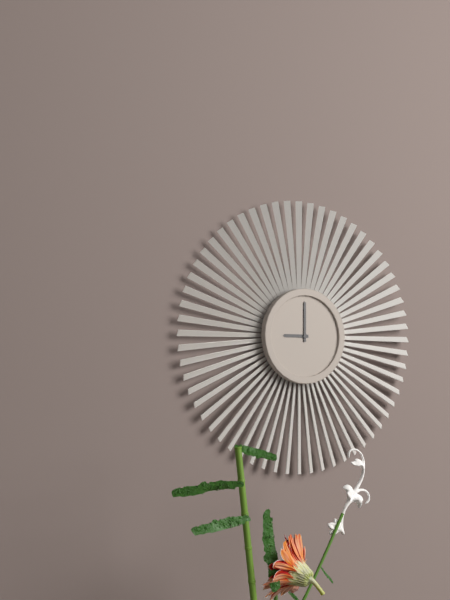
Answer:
9h00
